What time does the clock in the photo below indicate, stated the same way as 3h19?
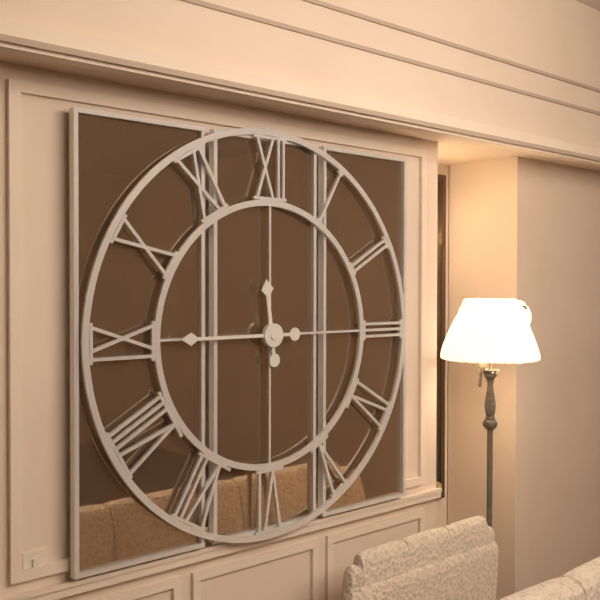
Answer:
11h45
